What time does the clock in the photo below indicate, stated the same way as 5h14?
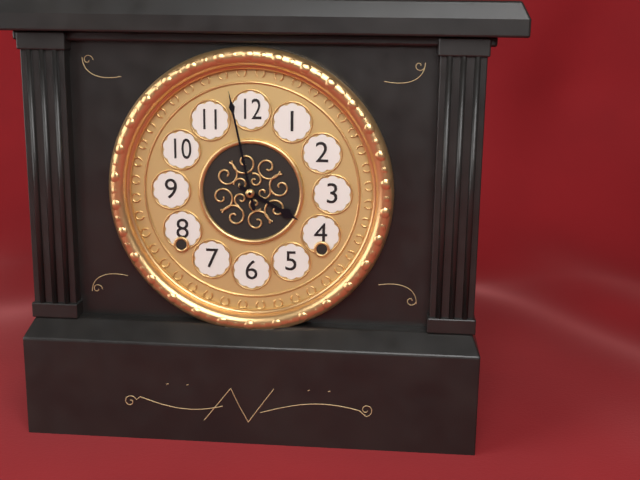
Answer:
3h58
